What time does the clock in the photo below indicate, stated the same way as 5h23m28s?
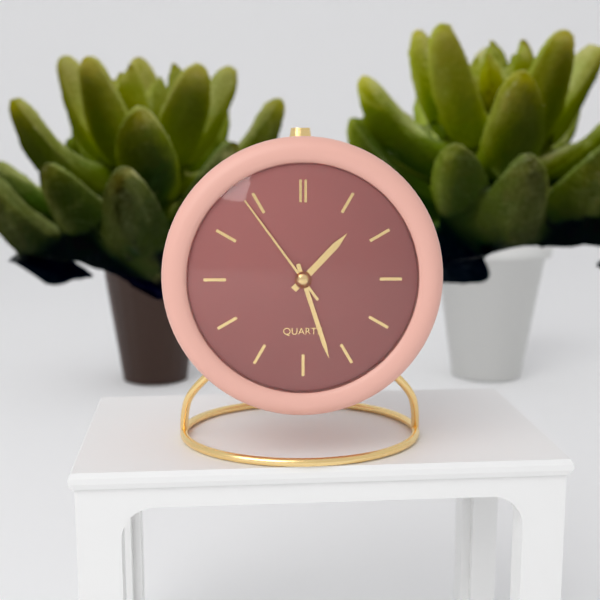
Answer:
1h27m54s
